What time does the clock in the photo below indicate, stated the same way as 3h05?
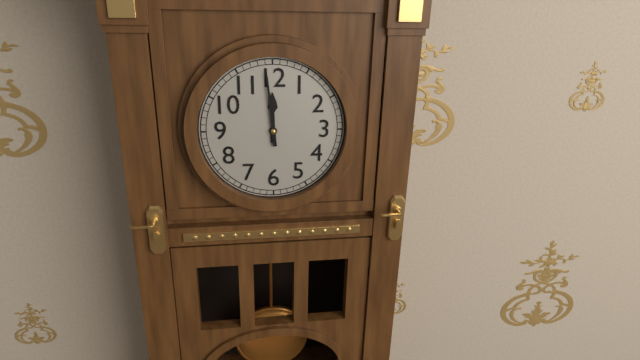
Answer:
11h59
